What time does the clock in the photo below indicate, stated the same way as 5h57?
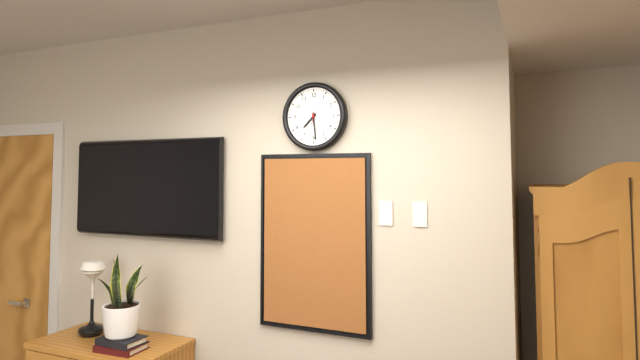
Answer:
7h29
